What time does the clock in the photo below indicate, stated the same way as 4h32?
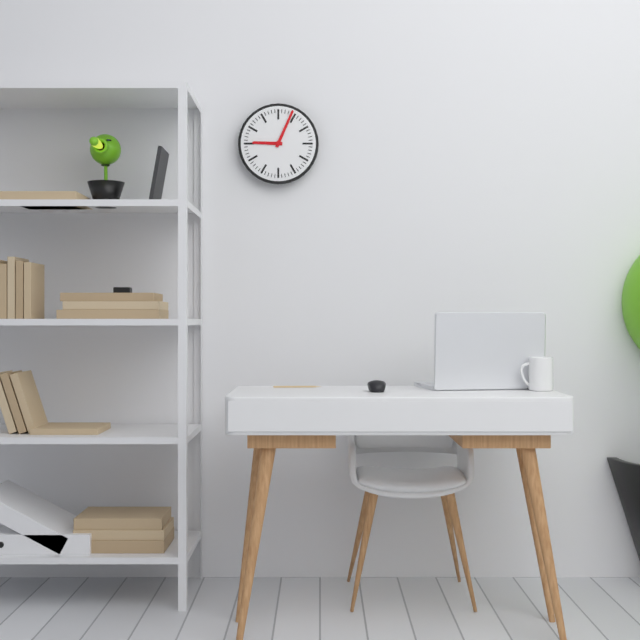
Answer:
9h04
